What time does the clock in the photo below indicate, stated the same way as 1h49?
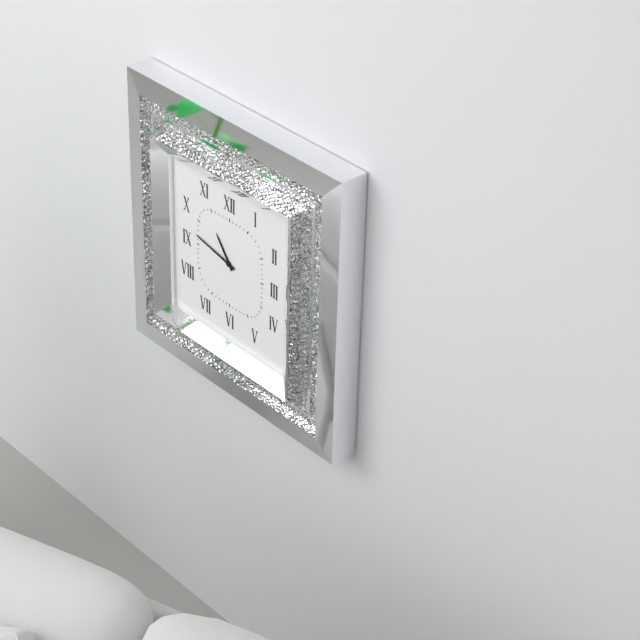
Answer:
10h47
